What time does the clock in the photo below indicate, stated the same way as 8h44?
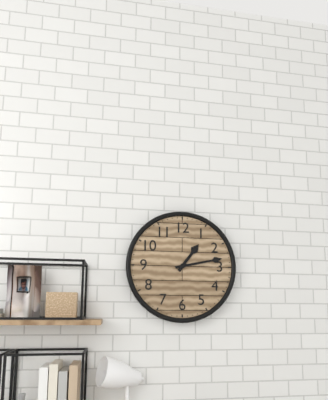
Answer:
1h13
